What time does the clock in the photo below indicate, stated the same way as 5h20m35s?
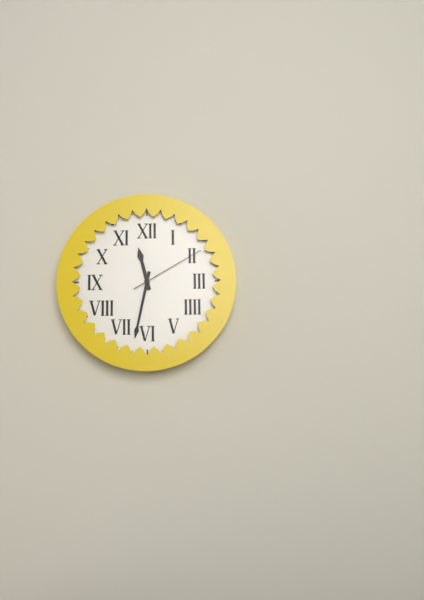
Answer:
11h32m10s
